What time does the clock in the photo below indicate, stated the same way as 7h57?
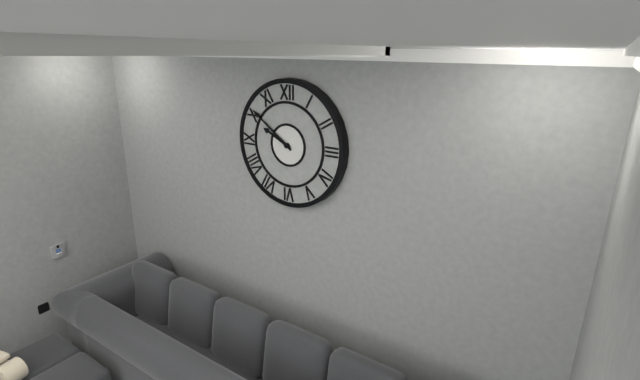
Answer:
9h51
